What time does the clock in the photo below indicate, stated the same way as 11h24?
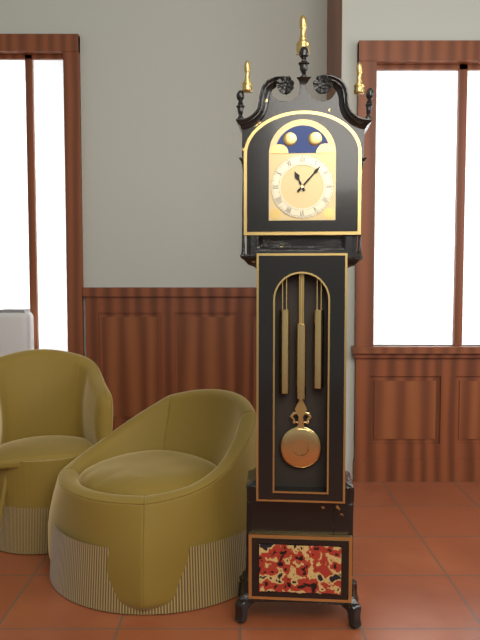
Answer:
11h07
